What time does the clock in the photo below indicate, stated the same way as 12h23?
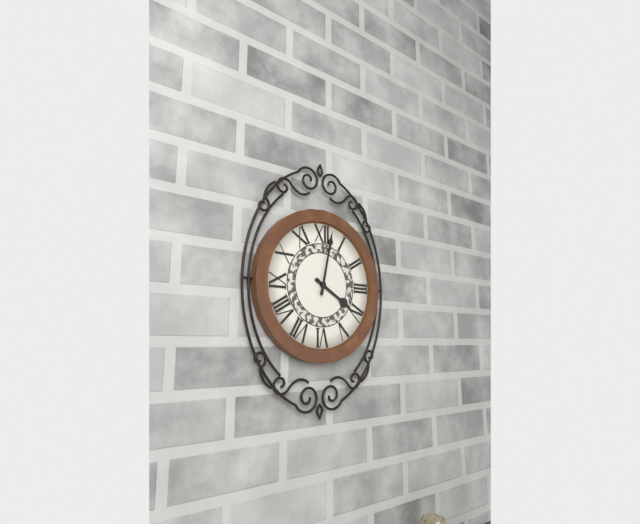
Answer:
4h02
